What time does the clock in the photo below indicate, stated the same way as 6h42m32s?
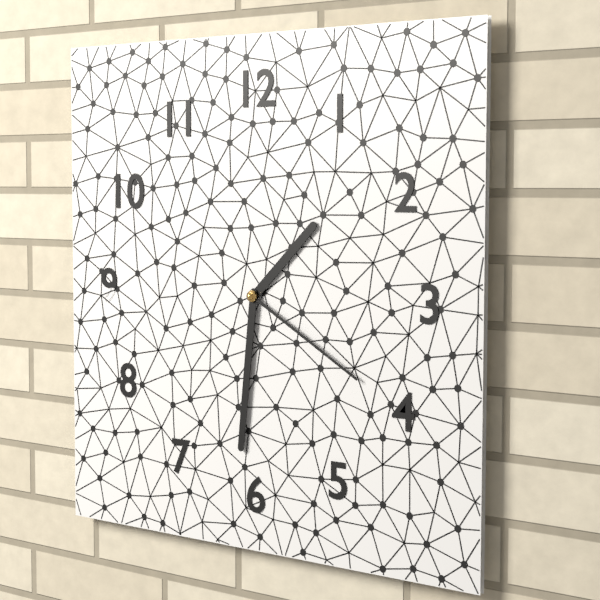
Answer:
1h31m20s
